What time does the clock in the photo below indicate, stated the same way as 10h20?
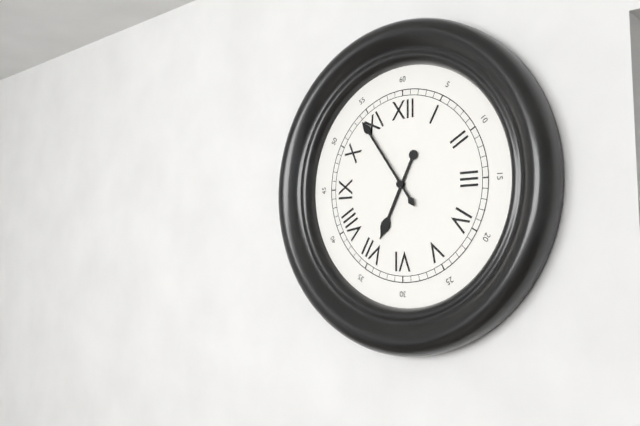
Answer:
6h54
